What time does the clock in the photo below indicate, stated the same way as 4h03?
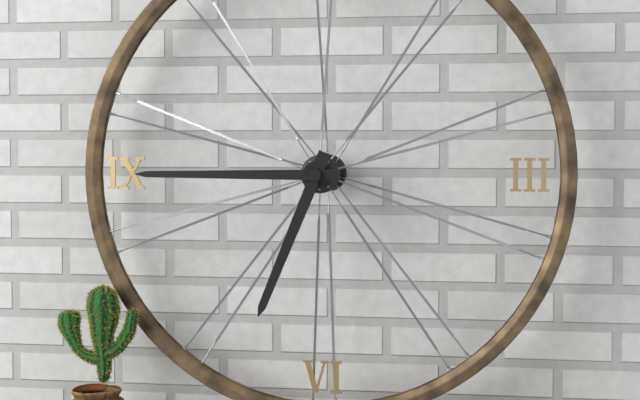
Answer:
6h45
